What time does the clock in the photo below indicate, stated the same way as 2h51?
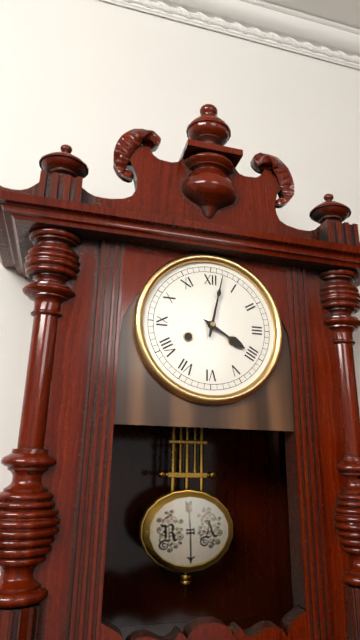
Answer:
4h02
